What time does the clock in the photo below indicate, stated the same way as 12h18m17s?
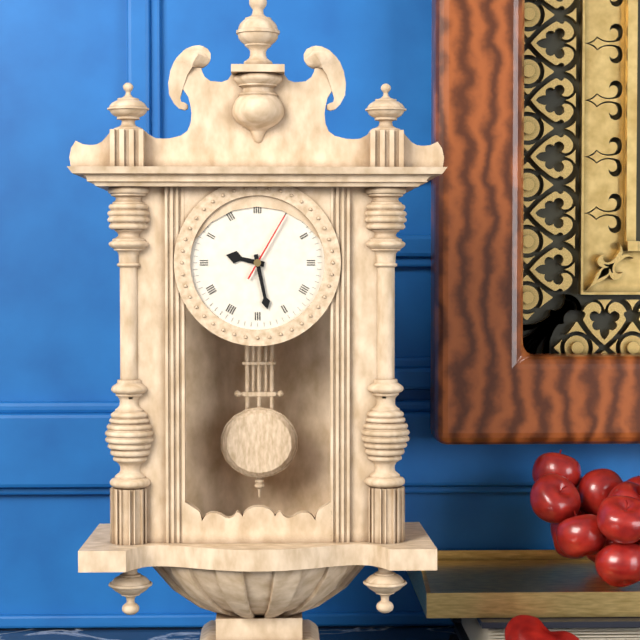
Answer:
9h28m05s
